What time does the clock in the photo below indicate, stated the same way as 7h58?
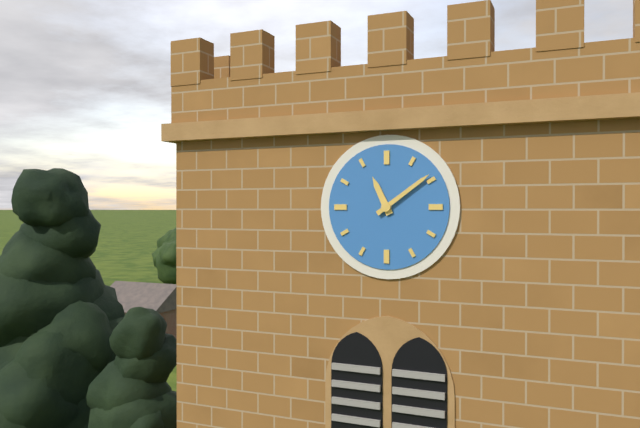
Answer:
11h09
